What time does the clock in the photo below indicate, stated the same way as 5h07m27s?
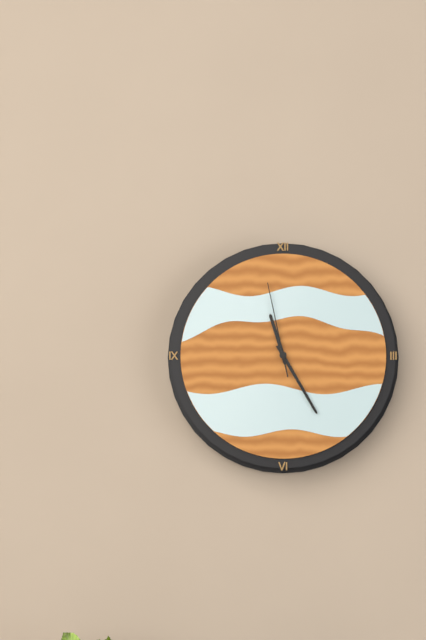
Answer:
11h25m58s
